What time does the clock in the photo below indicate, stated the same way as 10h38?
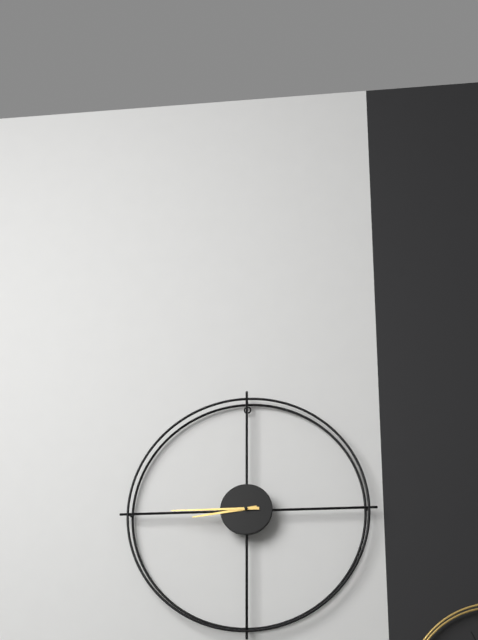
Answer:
8h45
